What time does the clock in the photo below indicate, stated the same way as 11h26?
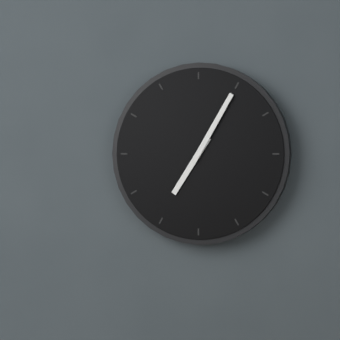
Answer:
7h05
